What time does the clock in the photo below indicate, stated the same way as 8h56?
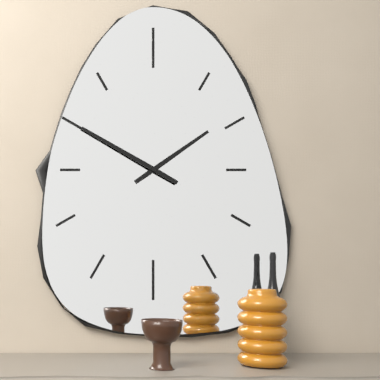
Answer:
1h50
